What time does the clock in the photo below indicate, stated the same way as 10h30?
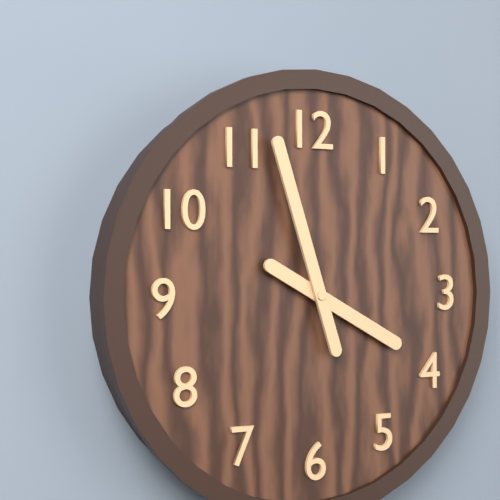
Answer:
3h57
